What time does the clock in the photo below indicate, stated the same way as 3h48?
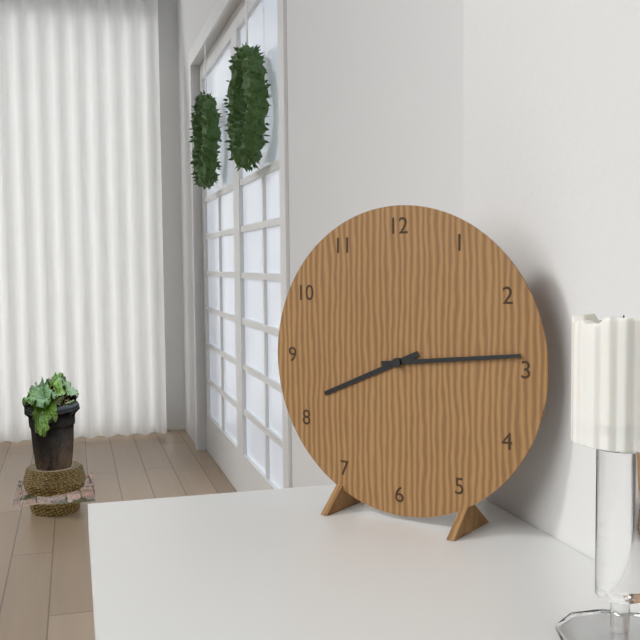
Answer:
8h14
